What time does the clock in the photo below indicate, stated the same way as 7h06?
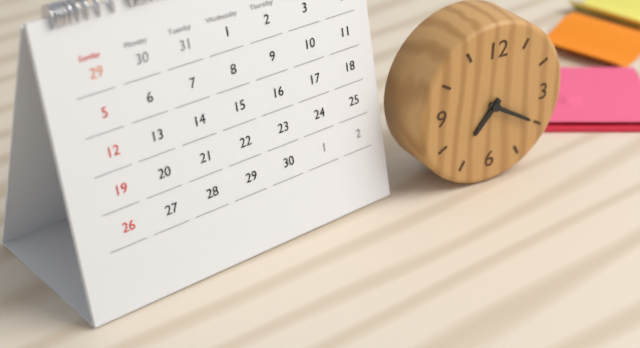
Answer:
7h20
